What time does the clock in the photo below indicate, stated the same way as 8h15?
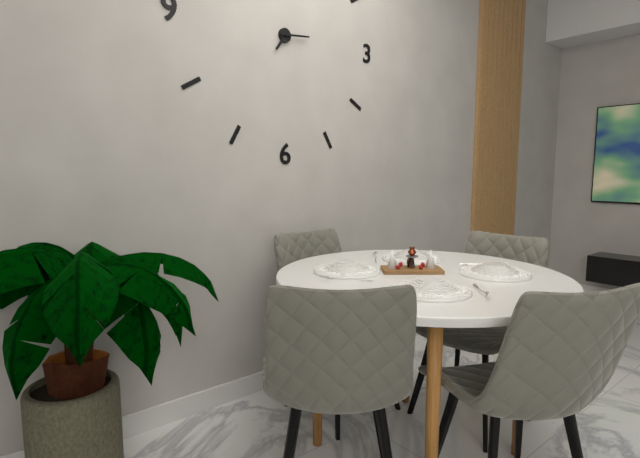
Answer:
7h14
